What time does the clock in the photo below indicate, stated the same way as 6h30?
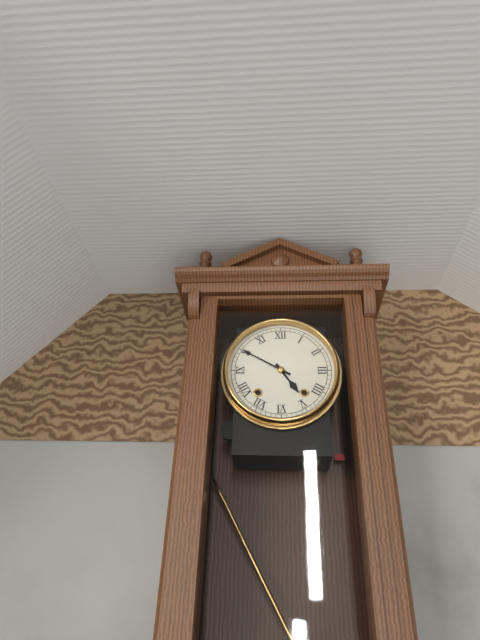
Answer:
4h50
